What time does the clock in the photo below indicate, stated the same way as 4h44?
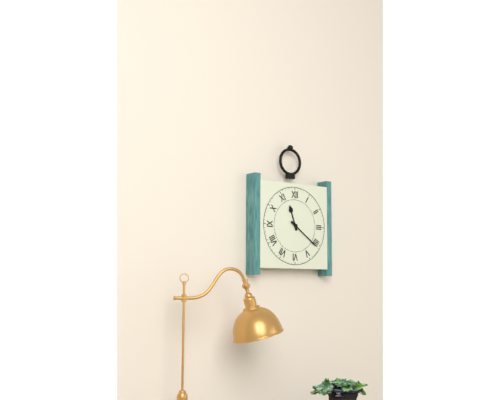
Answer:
11h21
